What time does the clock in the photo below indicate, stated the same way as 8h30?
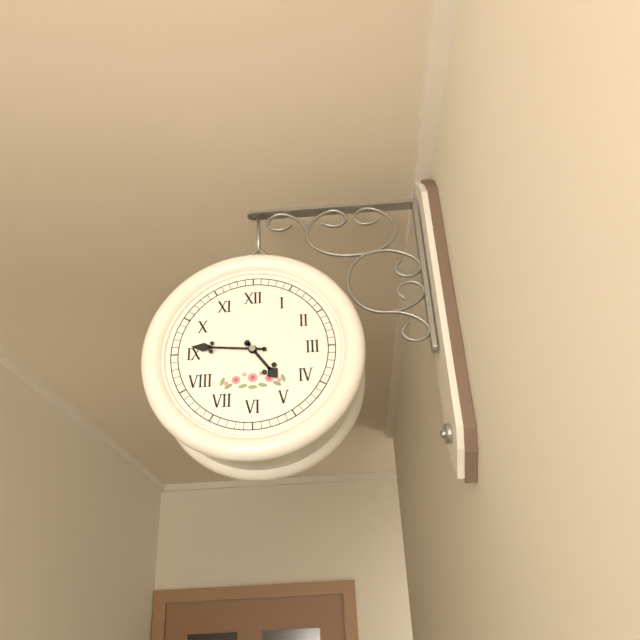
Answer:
4h46
